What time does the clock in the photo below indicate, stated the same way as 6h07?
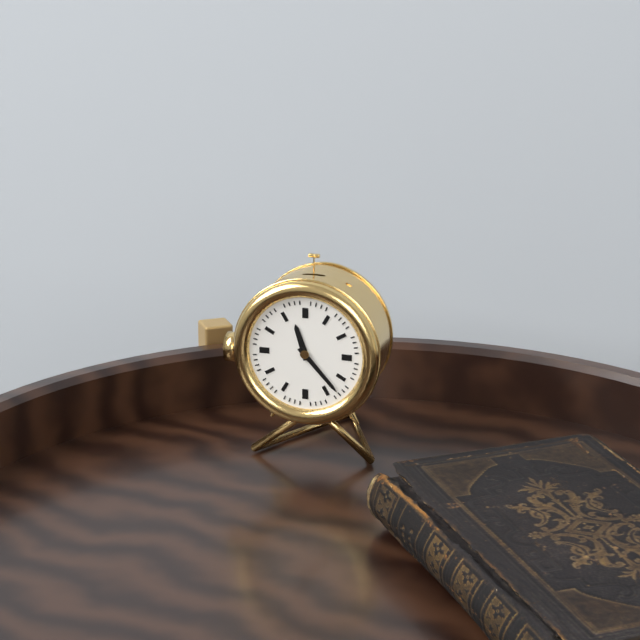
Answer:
11h23
